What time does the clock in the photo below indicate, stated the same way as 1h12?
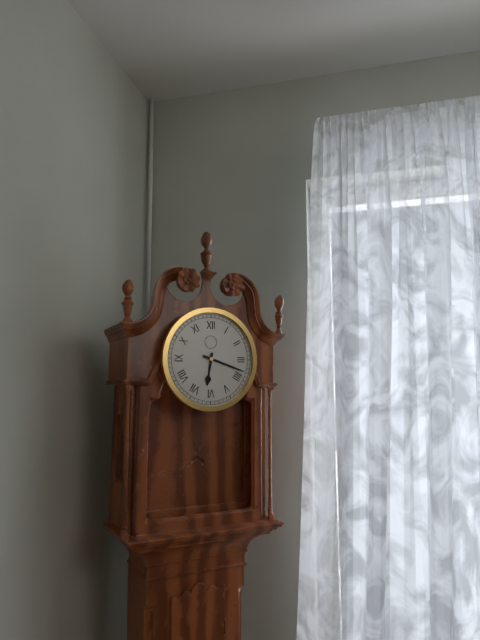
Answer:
6h18
